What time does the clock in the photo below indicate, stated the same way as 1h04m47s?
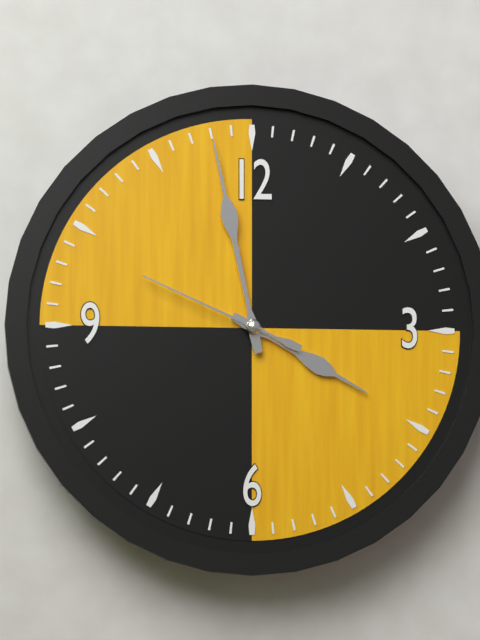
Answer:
3h58m49s
